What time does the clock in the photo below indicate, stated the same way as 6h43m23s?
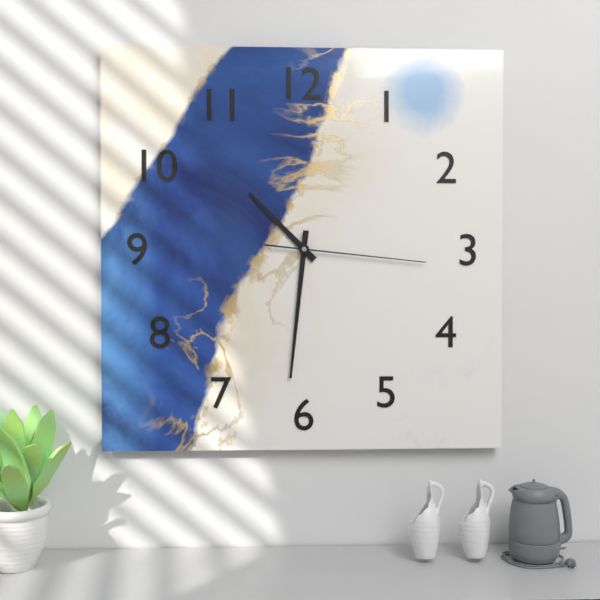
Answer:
10h31m16s
